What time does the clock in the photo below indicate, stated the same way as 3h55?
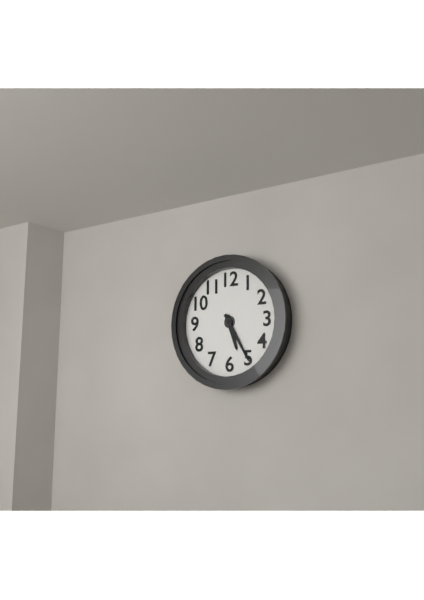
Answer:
5h25
